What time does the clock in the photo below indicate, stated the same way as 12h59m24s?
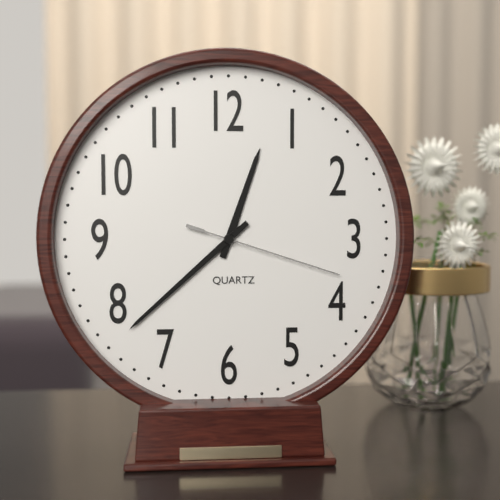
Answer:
12h38m18s
